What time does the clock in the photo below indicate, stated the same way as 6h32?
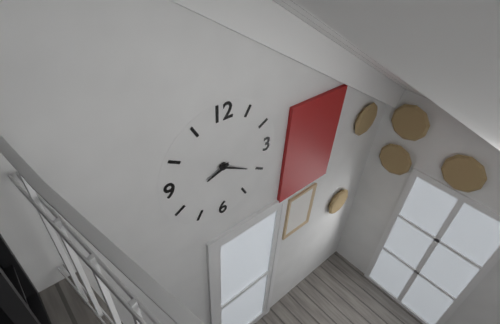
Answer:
8h20
